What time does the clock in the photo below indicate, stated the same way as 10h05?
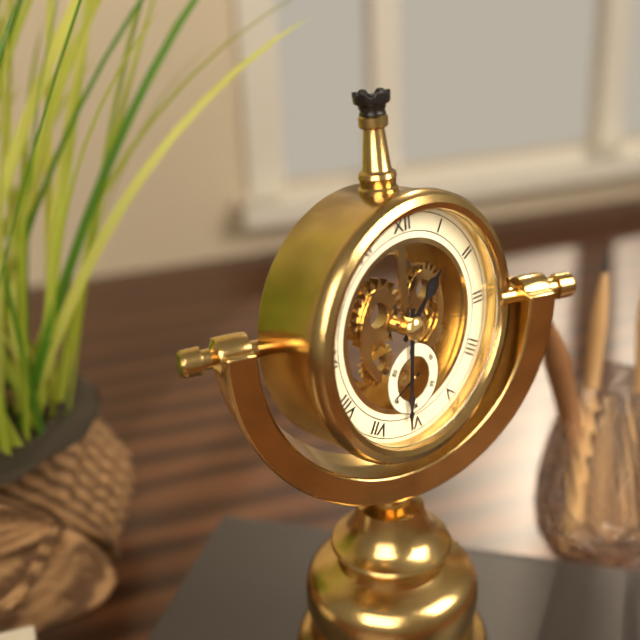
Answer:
1h31
